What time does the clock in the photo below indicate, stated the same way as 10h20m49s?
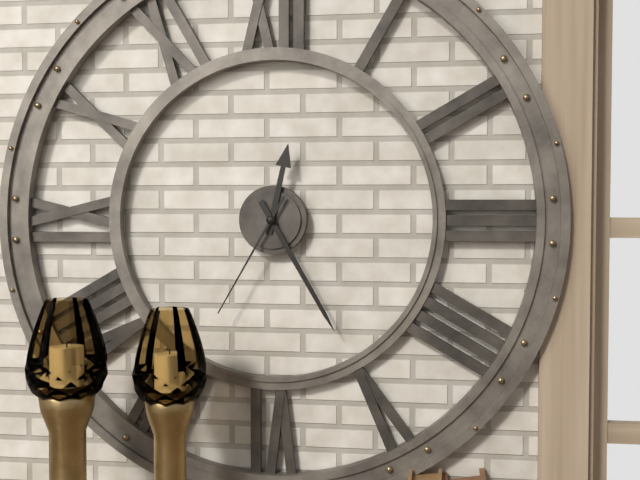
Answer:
12h25m35s
